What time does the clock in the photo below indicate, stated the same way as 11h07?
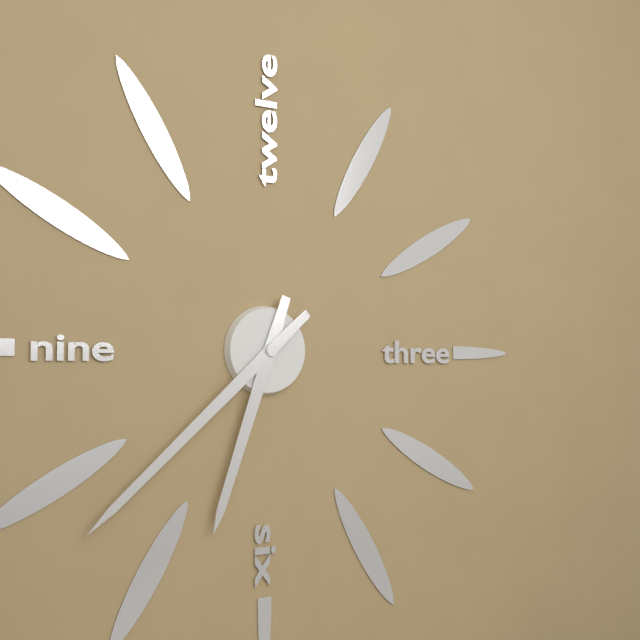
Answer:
6h38
